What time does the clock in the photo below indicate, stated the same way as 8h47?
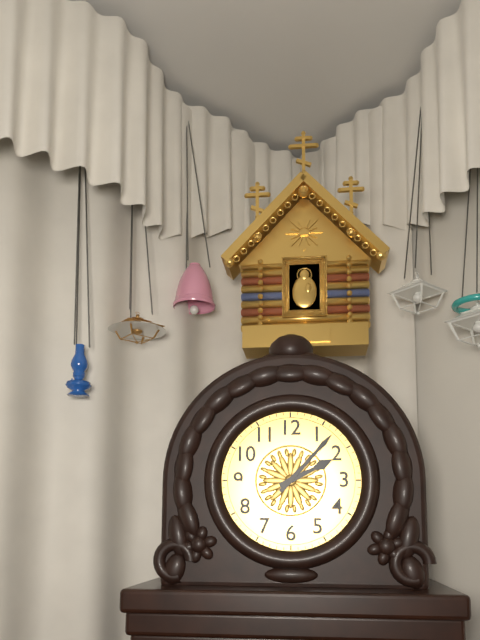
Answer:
2h07
